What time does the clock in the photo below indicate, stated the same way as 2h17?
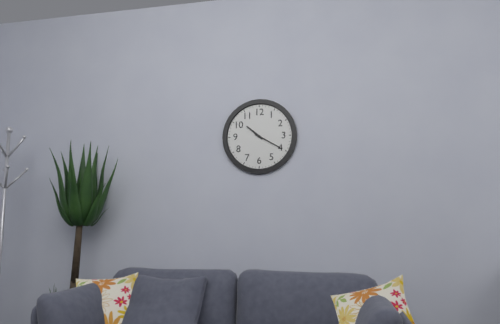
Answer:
10h20
